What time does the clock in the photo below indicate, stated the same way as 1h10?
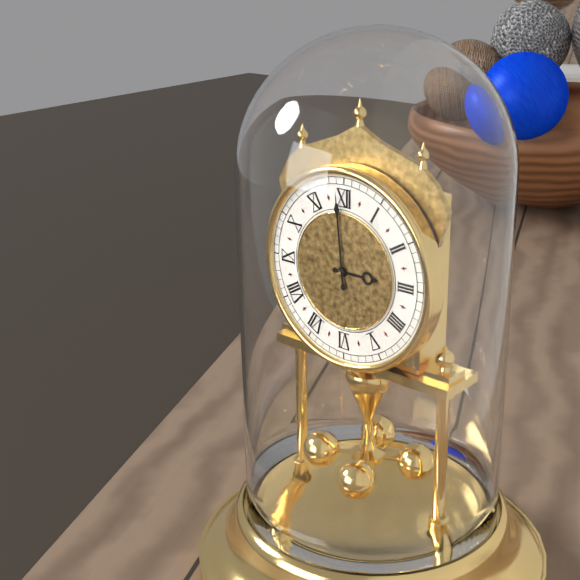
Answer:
2h59
